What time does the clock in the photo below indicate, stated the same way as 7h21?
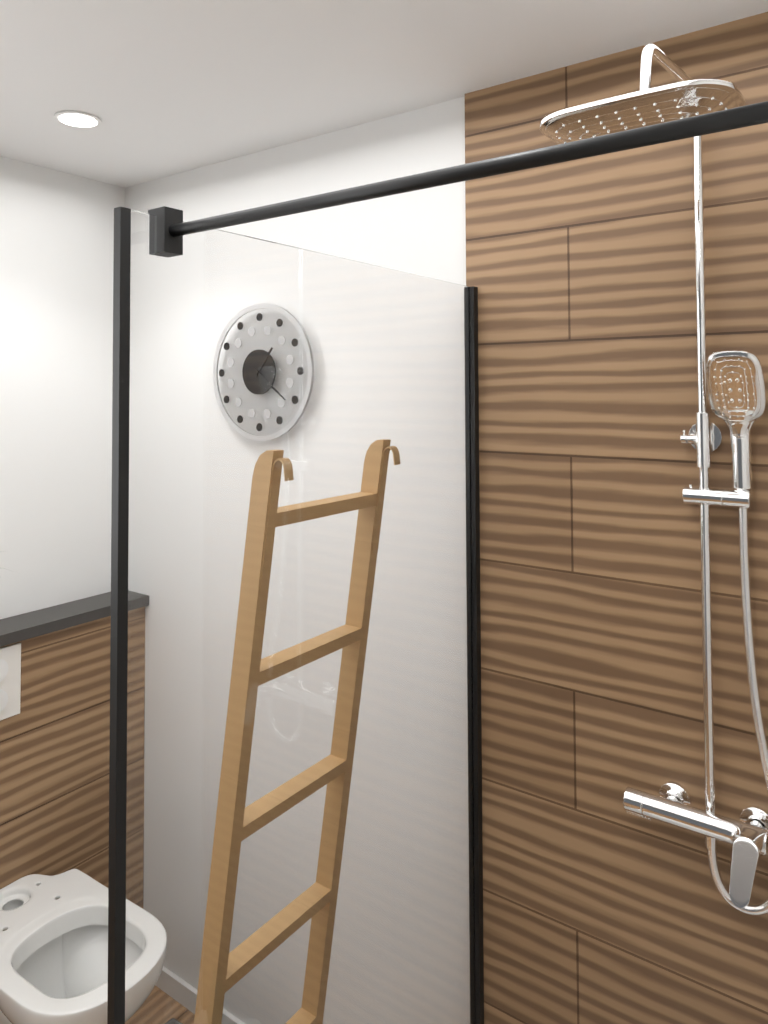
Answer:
1h21
